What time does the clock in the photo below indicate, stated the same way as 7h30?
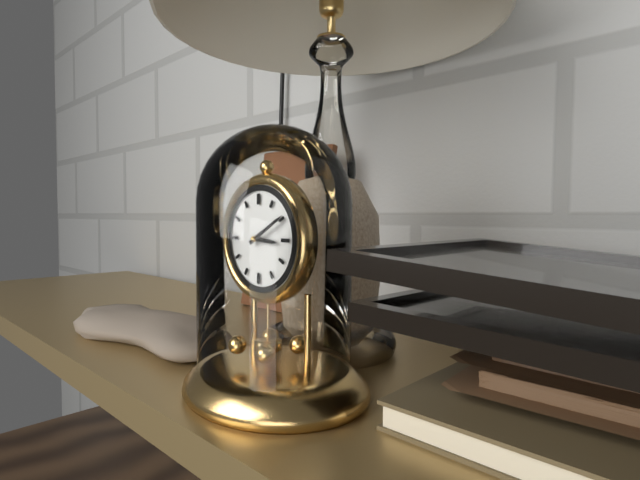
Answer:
3h10
